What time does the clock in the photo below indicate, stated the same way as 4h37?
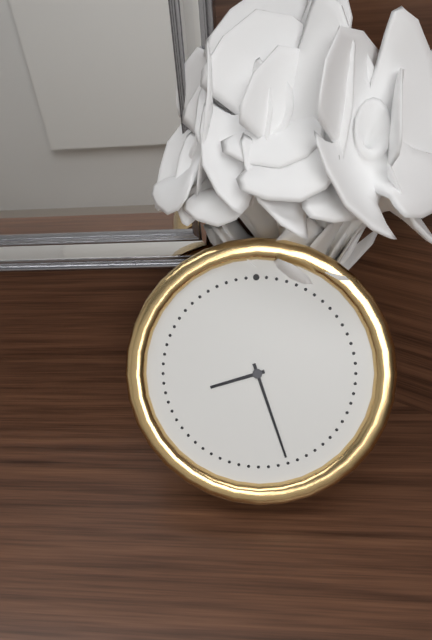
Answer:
8h27
